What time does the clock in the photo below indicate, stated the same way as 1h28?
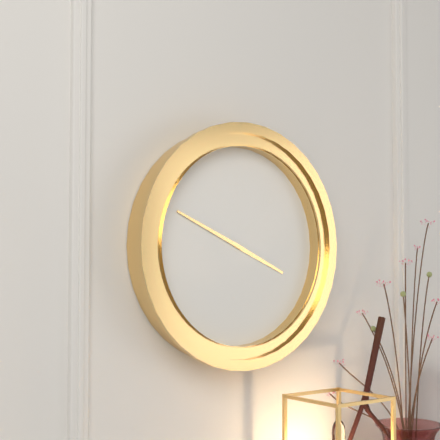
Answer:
3h49
